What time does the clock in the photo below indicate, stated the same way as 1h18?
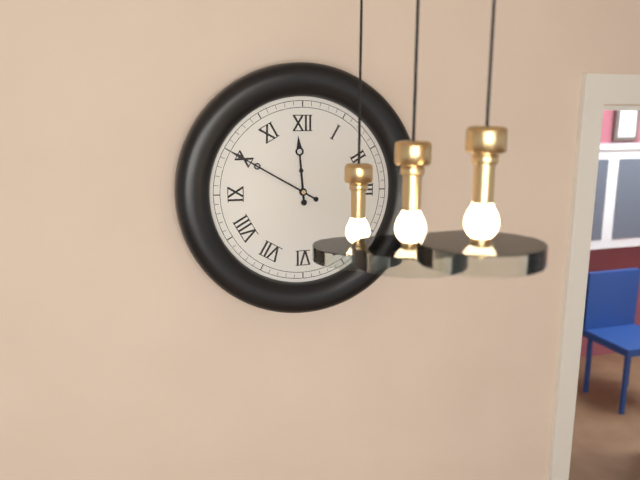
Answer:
11h50
